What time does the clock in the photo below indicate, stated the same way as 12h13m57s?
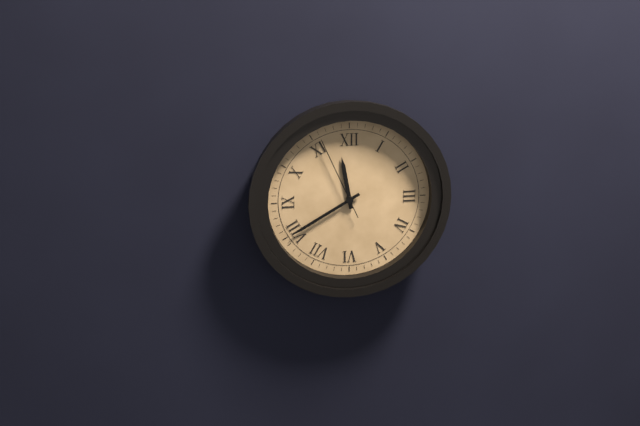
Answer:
11h40m56s
